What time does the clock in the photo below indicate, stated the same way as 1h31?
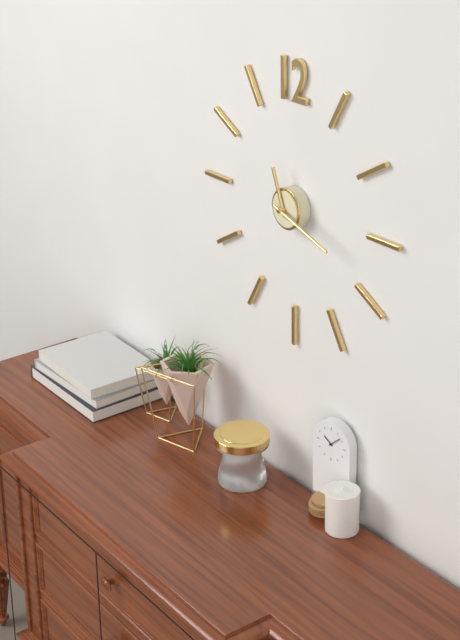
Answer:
11h18
